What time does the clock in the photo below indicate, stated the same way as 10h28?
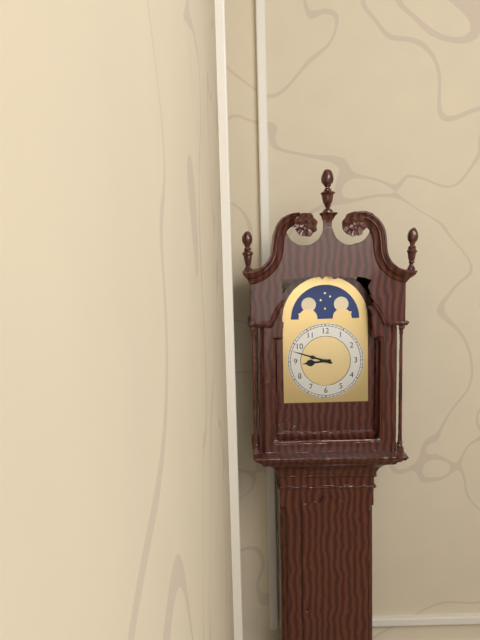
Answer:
8h48
